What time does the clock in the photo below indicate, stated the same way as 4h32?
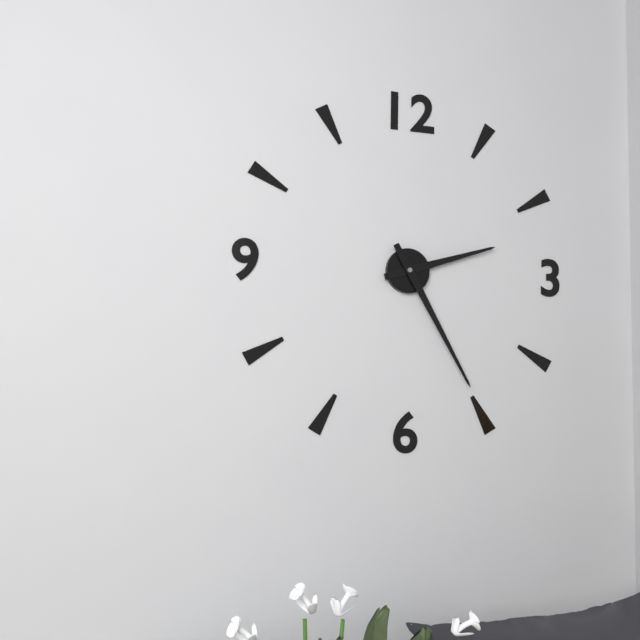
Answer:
2h25
